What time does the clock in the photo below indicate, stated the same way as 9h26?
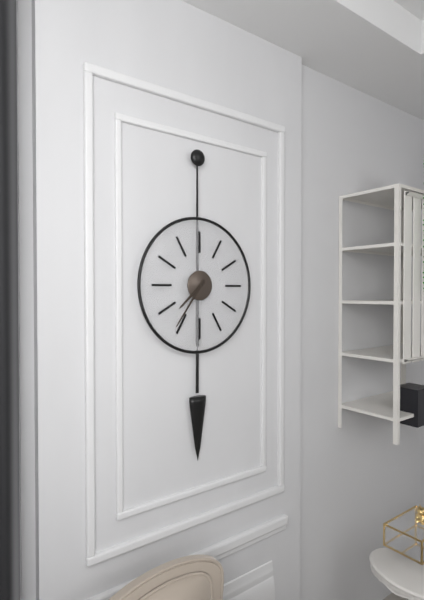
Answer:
7h36
